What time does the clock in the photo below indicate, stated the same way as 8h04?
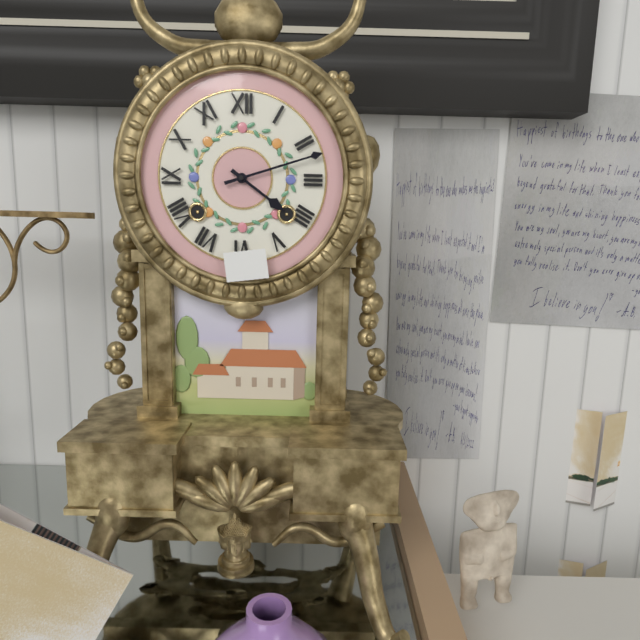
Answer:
4h12
